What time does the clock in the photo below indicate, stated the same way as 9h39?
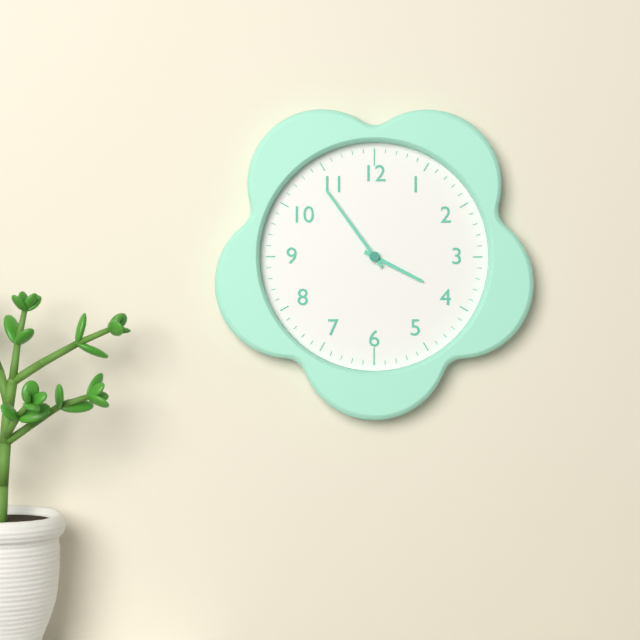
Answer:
3h54
